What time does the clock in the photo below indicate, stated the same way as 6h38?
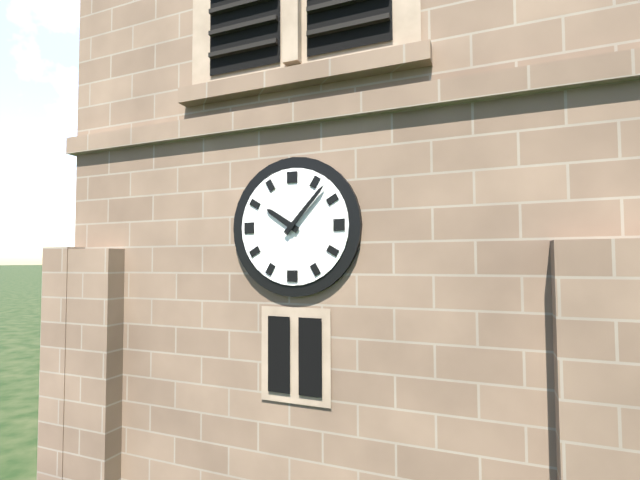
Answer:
10h07
